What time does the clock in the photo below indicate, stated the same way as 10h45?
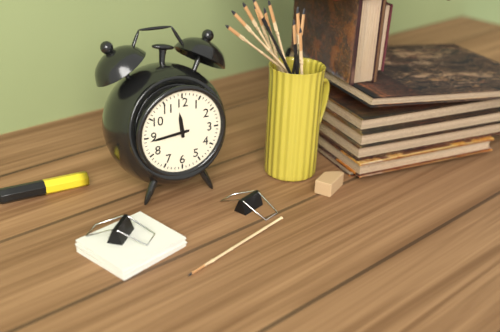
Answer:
11h44
